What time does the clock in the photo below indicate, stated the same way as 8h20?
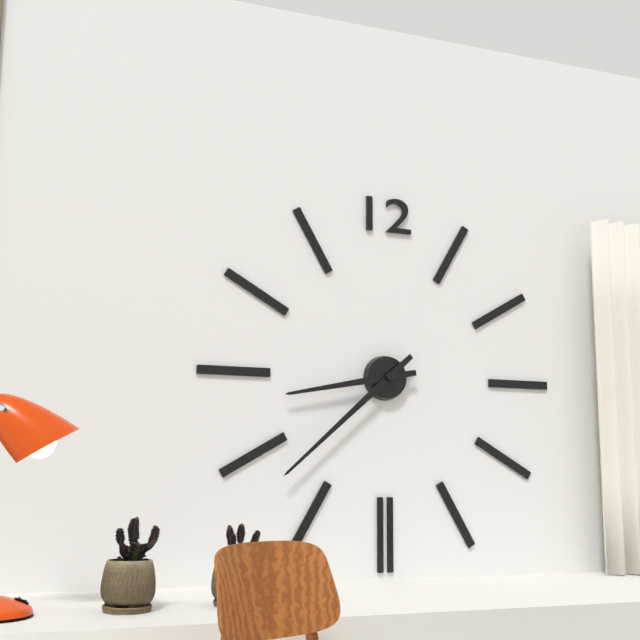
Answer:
8h38
